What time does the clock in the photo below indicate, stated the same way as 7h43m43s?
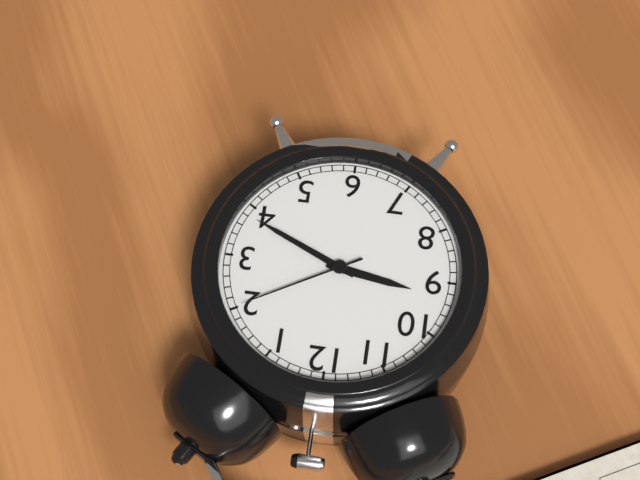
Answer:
9h19m10s
